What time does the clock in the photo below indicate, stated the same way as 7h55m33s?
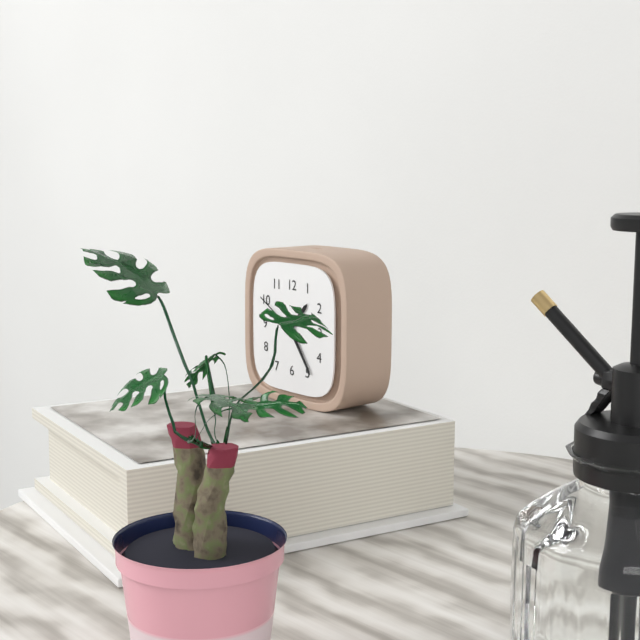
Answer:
1h24m50s
